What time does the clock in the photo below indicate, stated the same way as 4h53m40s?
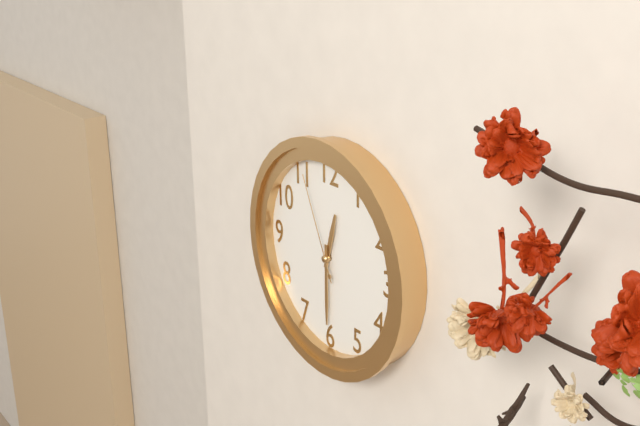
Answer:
12h30m56s
